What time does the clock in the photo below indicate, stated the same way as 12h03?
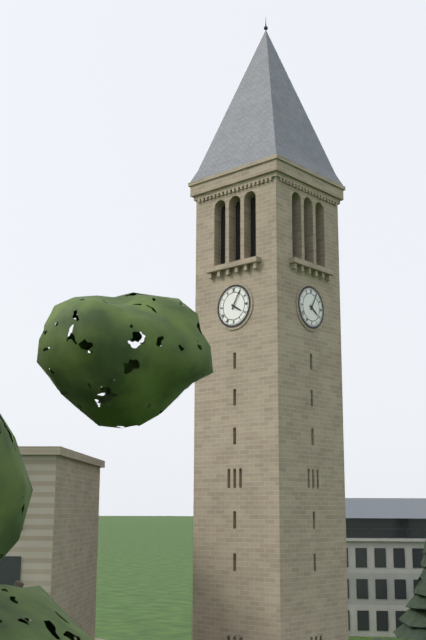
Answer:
4h05
